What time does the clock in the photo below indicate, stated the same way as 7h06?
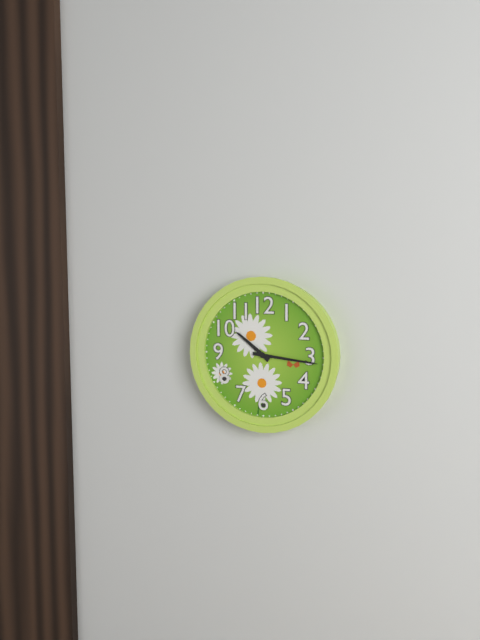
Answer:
10h16
